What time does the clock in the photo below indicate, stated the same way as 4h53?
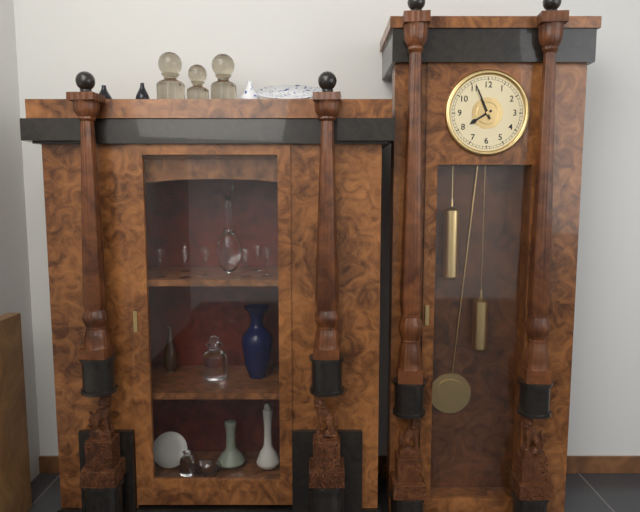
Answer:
7h56
